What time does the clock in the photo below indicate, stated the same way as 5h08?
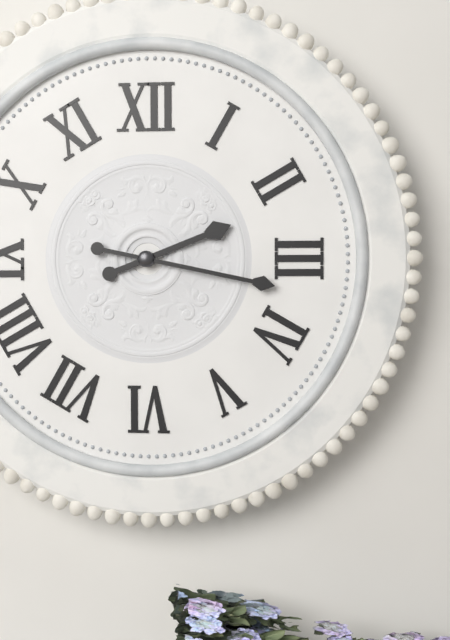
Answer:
2h17
